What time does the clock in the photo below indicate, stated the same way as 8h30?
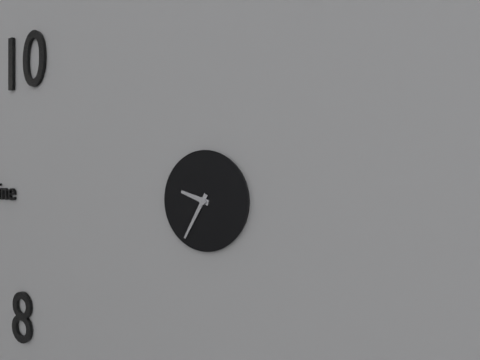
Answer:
9h35
